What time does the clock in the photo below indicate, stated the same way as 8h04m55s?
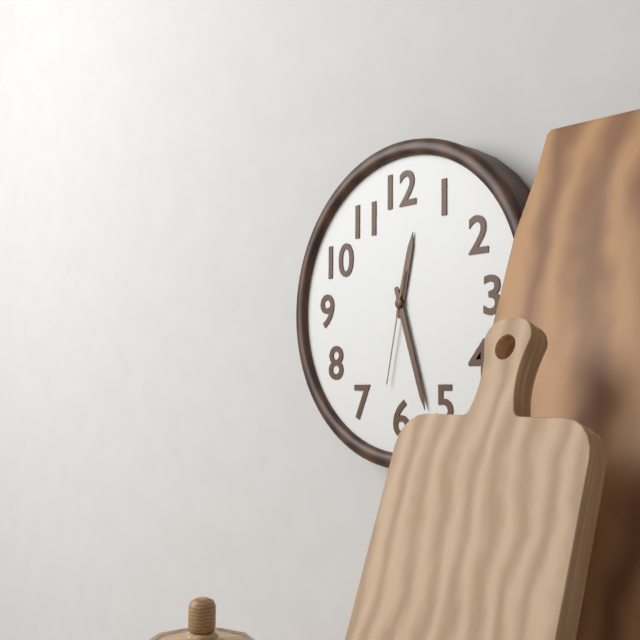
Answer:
12h27m32s
